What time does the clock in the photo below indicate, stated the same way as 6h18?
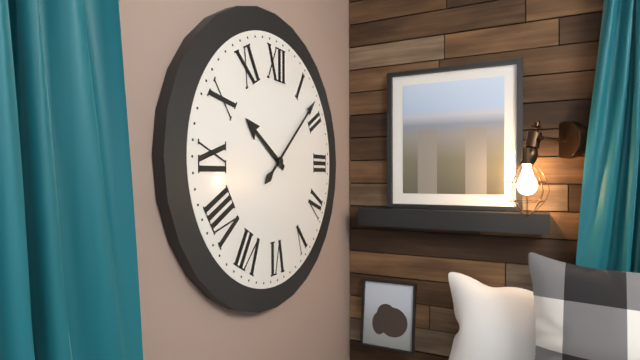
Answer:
10h08
